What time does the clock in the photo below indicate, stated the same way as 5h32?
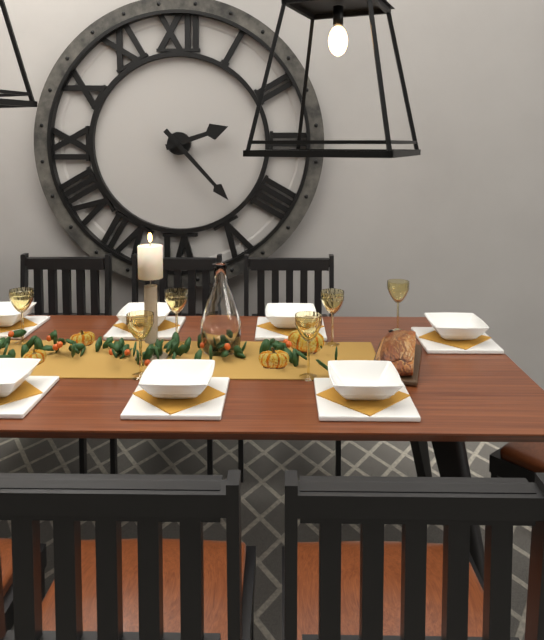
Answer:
2h23
